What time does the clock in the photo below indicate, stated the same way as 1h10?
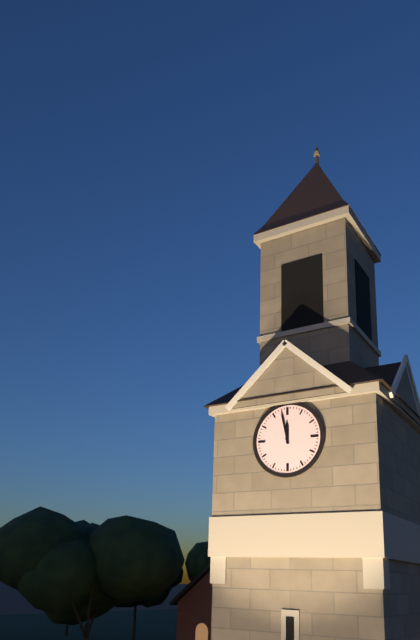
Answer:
11h58
